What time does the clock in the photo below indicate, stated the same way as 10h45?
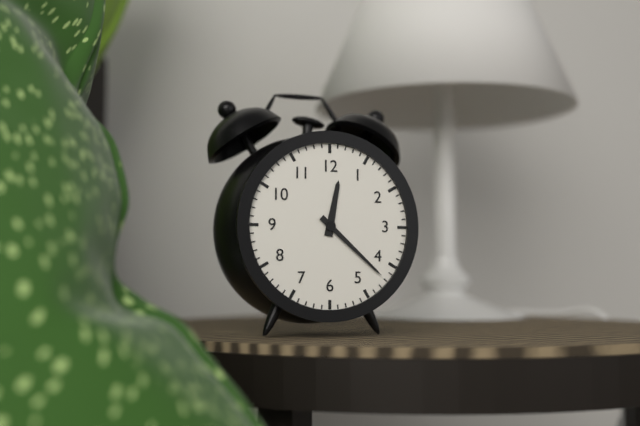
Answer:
12h22
